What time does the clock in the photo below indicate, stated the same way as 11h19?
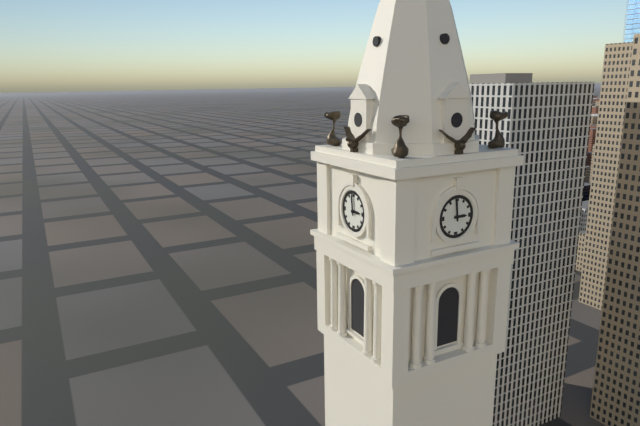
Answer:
2h59
